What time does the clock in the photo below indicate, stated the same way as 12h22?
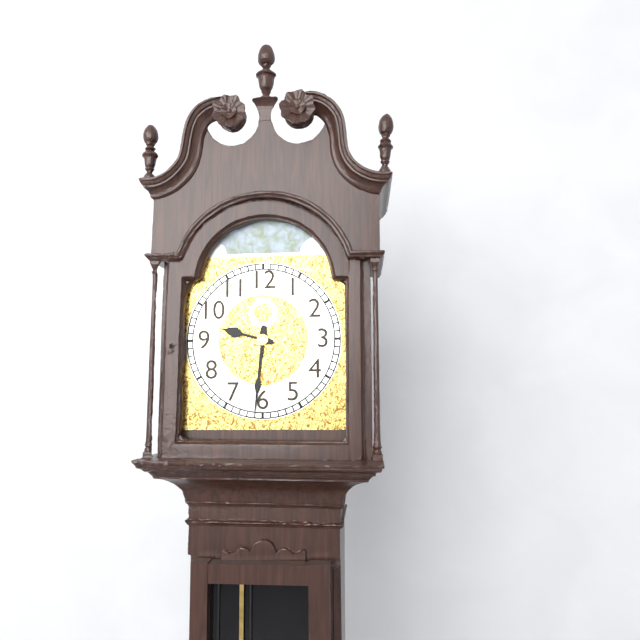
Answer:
9h31
